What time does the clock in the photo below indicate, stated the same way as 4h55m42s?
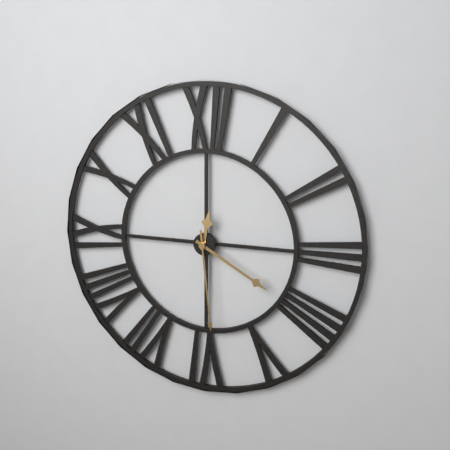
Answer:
12h20m29s
